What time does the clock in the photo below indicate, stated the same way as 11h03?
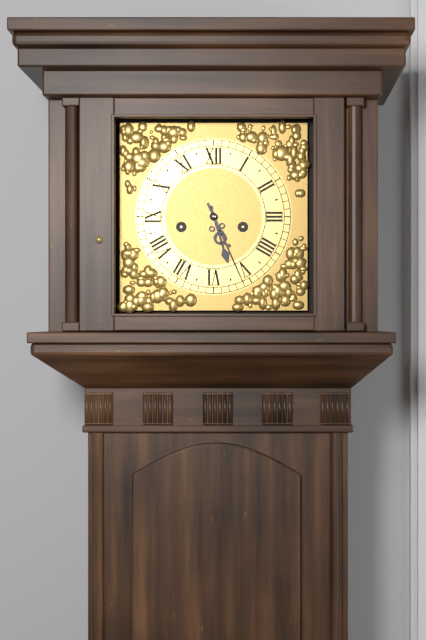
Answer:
5h26
